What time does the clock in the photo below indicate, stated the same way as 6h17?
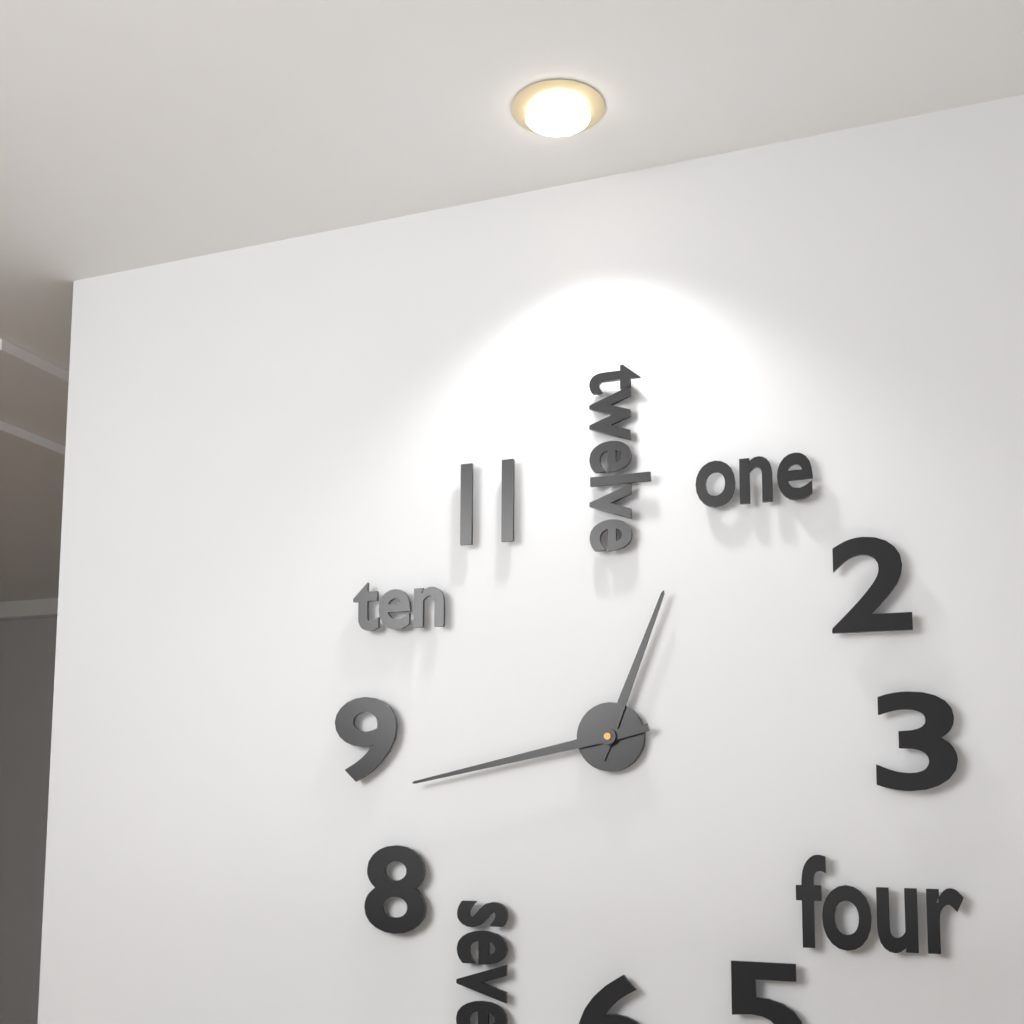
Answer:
12h43
